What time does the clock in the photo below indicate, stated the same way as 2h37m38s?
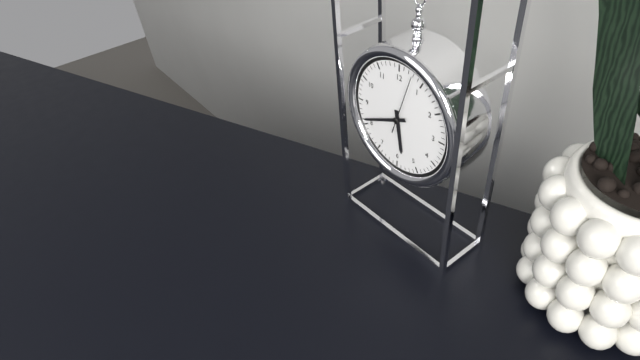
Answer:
5h41m03s
